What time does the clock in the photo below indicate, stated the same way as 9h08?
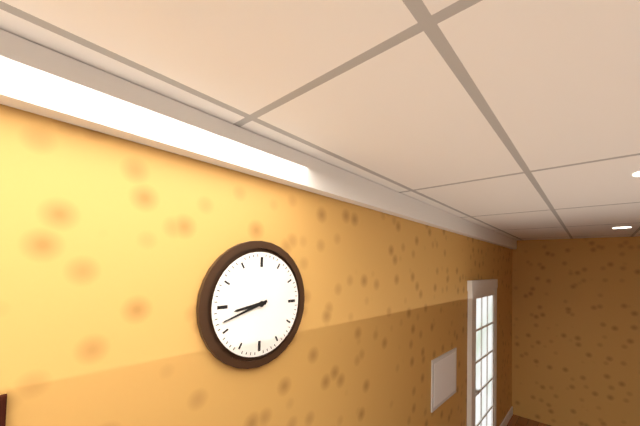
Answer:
8h42
